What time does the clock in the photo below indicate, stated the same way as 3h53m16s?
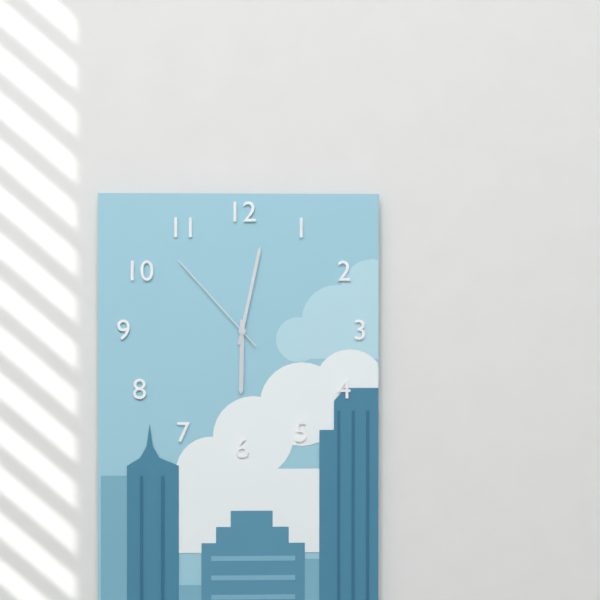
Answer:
6h02m53s
